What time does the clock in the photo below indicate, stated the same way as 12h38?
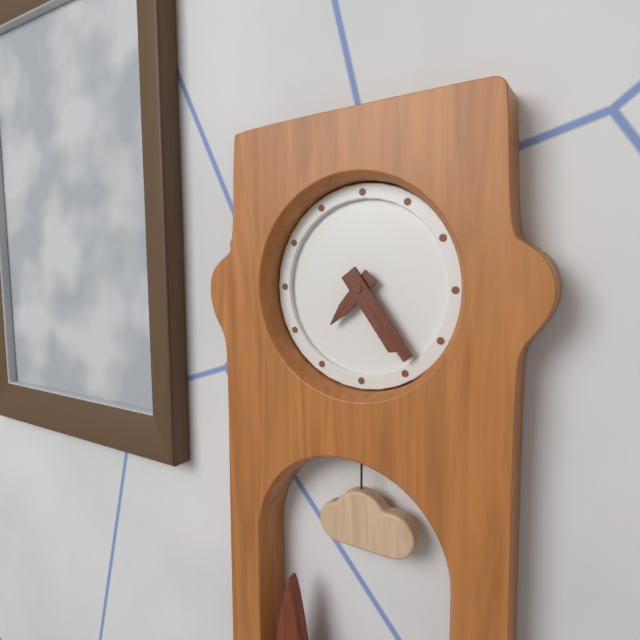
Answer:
7h24
